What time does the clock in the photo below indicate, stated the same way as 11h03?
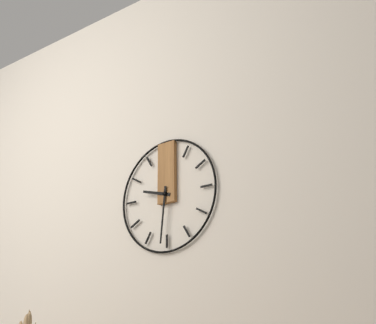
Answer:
9h31
